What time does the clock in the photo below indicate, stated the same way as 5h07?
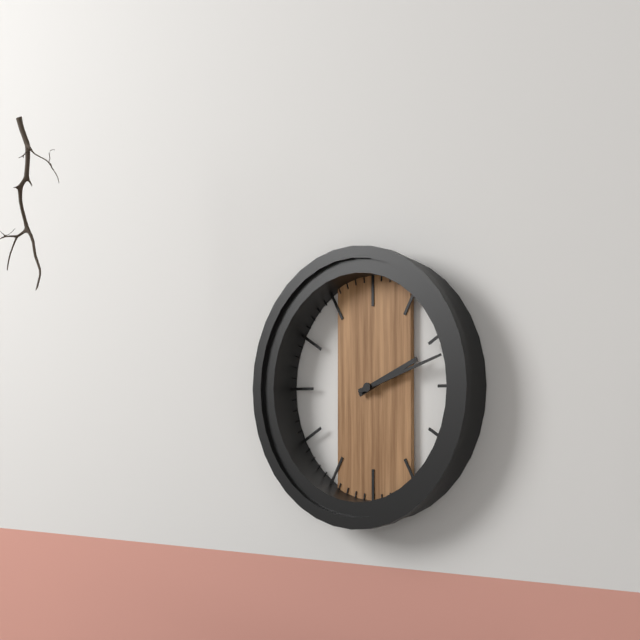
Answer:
2h12
